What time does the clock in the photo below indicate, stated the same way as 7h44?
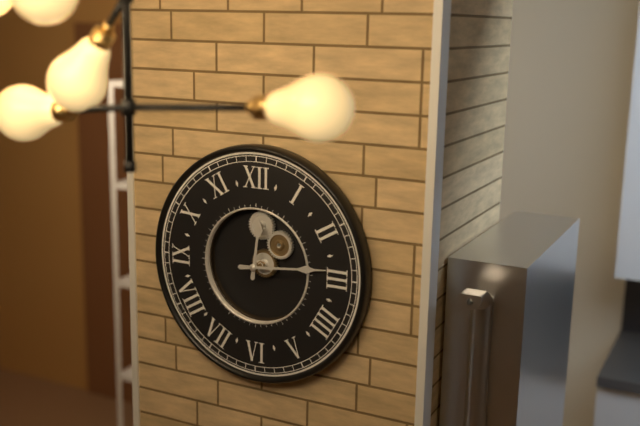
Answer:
12h14
